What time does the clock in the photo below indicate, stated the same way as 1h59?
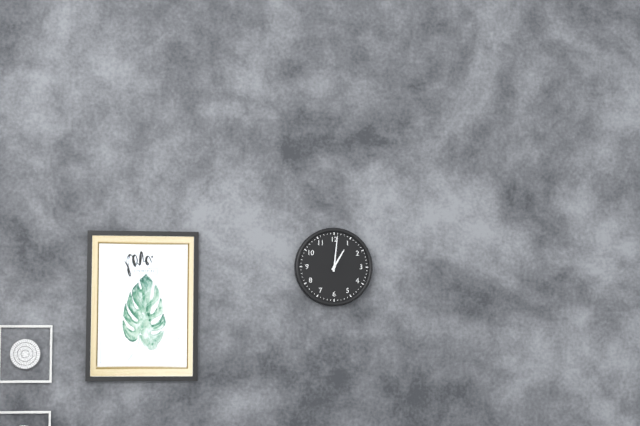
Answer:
1h01
